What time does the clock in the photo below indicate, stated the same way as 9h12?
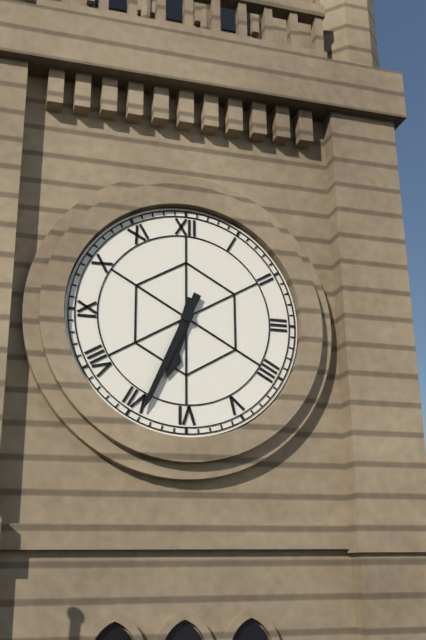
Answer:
6h34
